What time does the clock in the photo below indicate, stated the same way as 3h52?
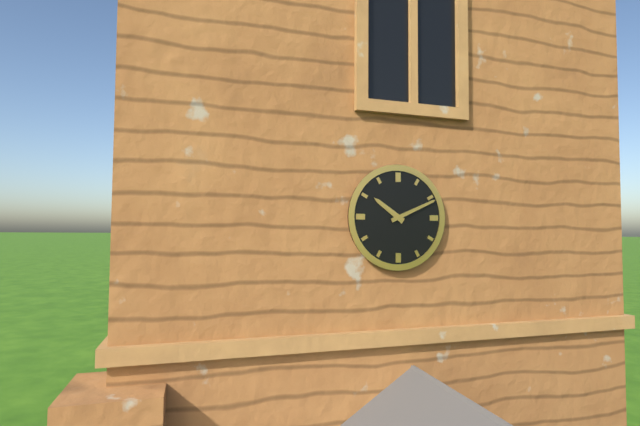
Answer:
10h11
